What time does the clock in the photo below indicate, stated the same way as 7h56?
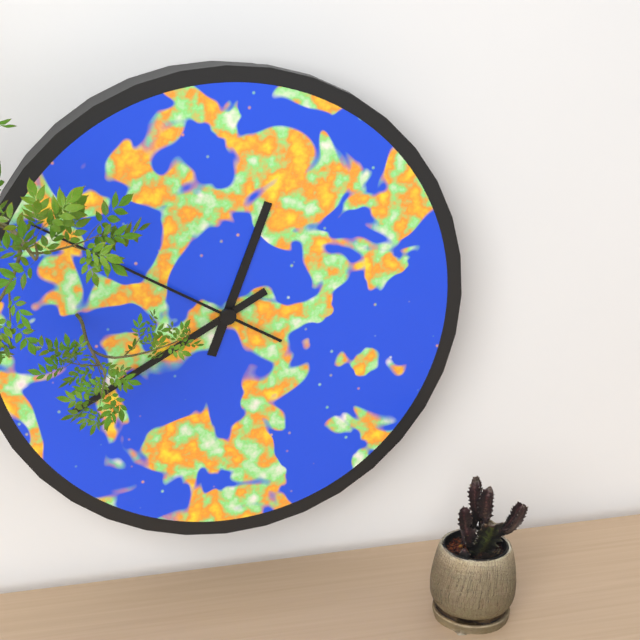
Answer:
12h40
